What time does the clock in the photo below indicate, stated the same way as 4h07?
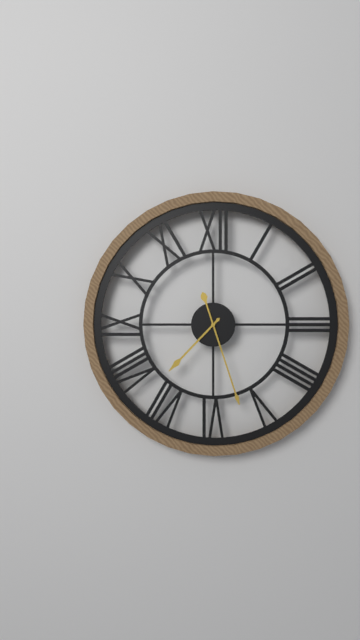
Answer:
7h27
